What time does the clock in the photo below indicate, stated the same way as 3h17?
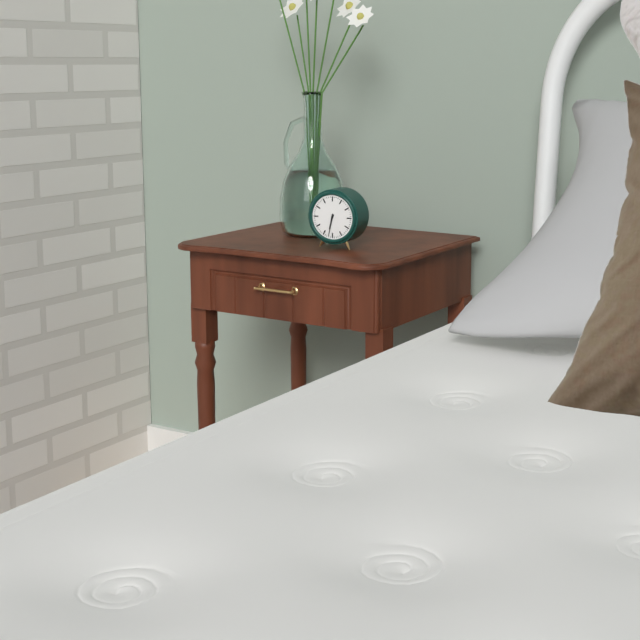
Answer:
6h32
